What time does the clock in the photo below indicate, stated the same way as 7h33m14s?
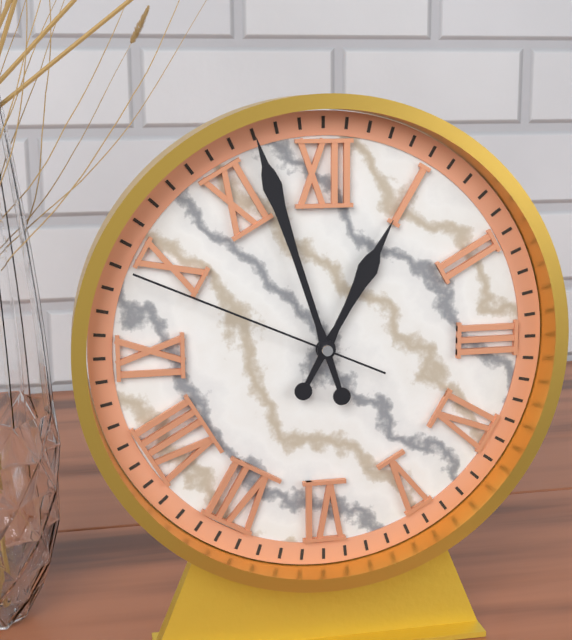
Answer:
12h57m49s
